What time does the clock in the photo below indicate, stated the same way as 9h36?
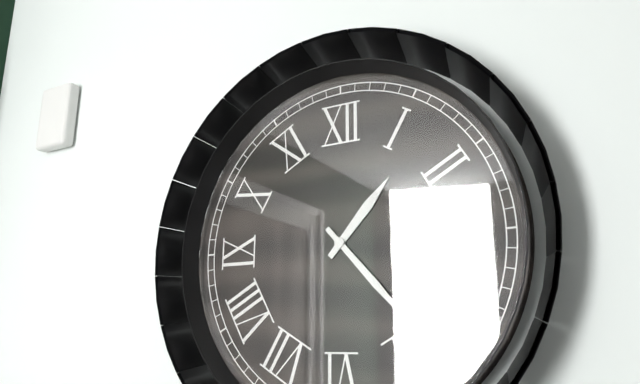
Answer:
1h23
